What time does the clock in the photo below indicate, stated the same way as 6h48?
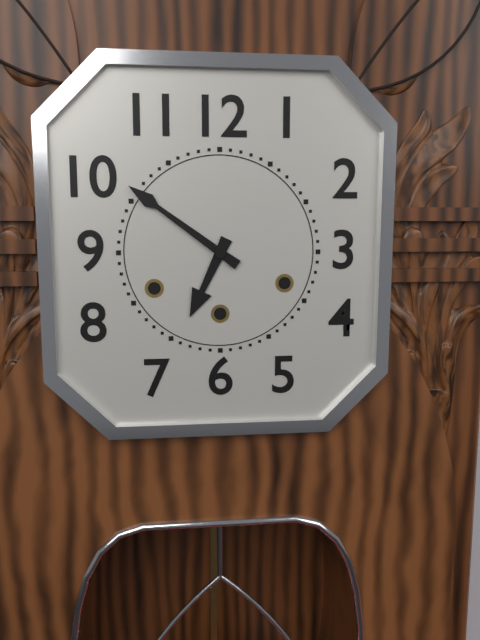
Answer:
6h51
